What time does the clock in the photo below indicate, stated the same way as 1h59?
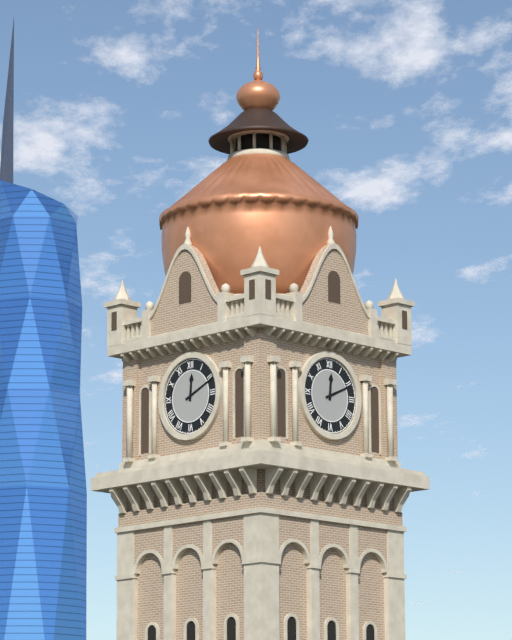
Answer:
12h11
